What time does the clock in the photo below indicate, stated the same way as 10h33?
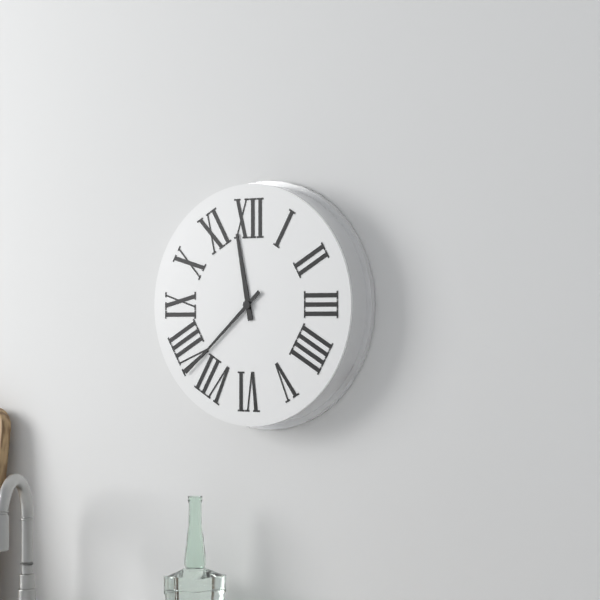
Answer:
11h38
